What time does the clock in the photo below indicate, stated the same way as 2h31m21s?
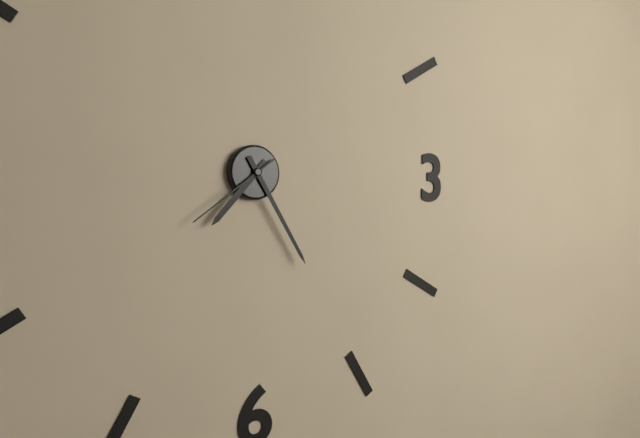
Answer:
7h25m39s
